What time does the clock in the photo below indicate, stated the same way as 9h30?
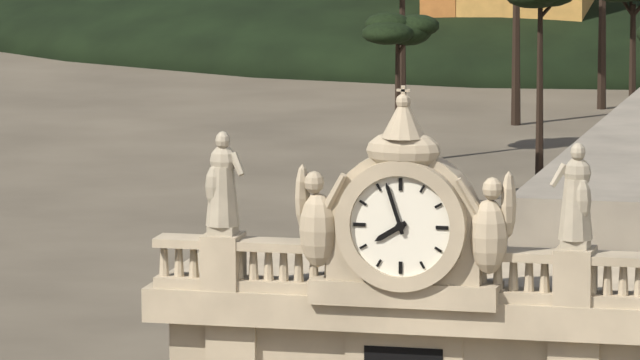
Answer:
7h57
